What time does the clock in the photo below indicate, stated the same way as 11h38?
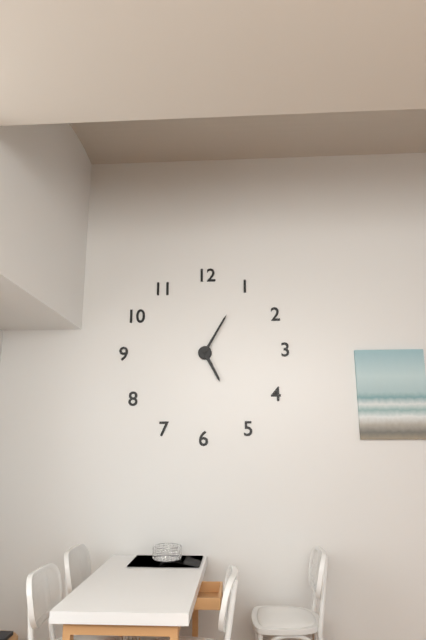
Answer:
5h05
